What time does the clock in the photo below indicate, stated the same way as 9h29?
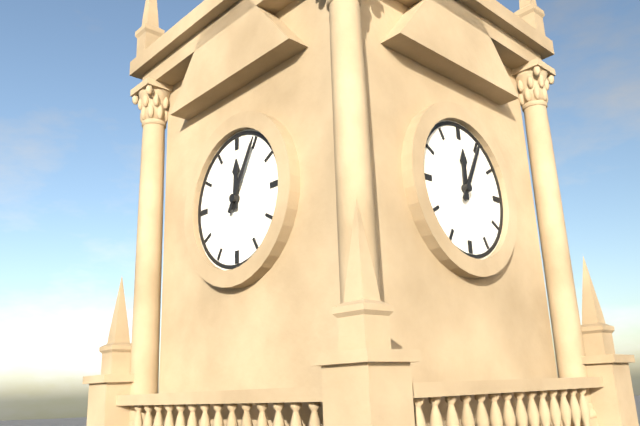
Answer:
12h05
